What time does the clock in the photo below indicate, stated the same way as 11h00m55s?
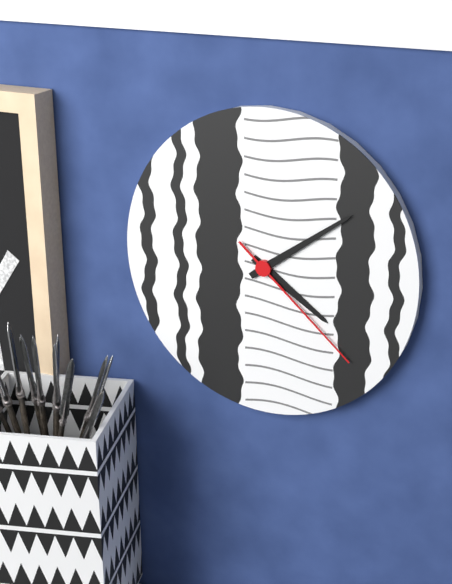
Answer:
4h09m22s
